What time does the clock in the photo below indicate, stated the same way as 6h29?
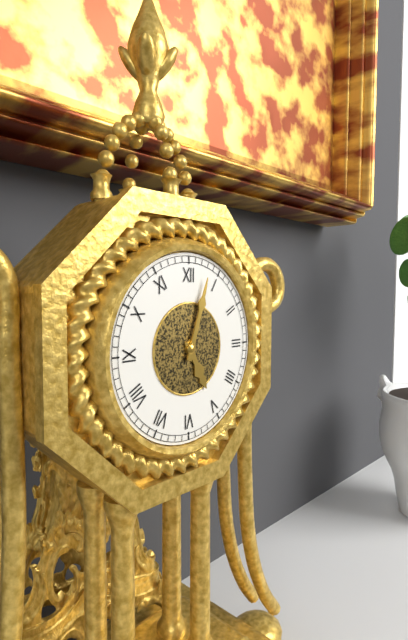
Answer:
5h03
